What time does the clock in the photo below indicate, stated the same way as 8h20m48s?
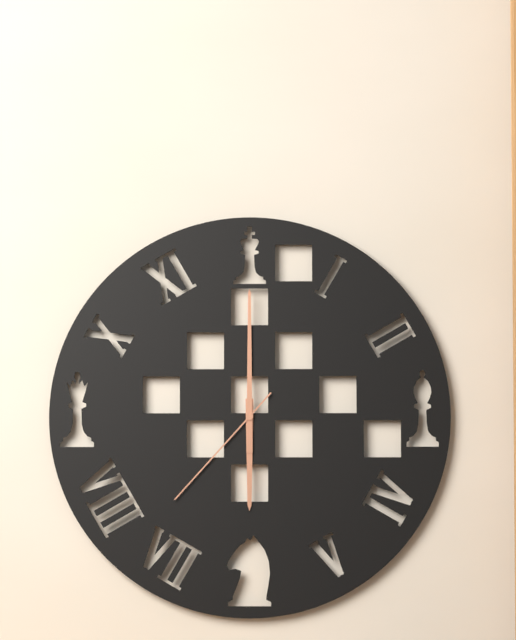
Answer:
6h00m37s
